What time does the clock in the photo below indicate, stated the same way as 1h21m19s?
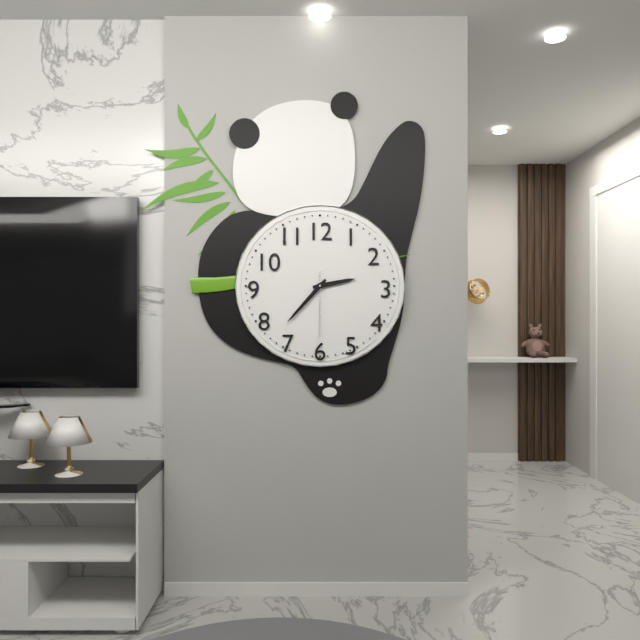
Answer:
2h37m30s
